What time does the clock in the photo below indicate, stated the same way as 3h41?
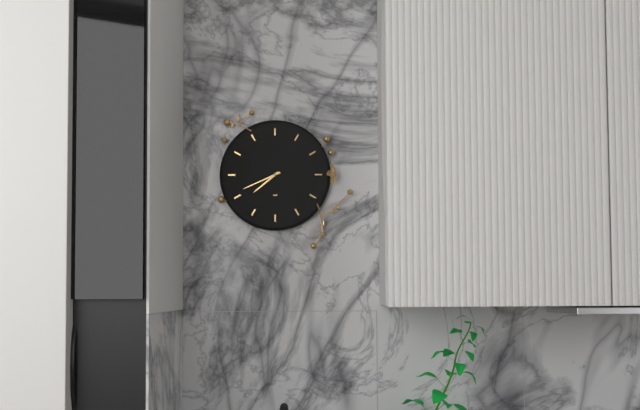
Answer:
7h41
